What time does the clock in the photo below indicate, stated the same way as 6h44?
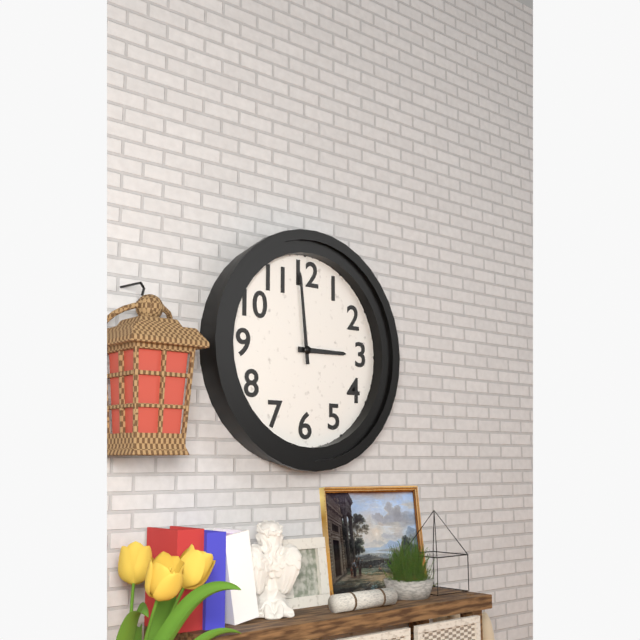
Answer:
2h59
